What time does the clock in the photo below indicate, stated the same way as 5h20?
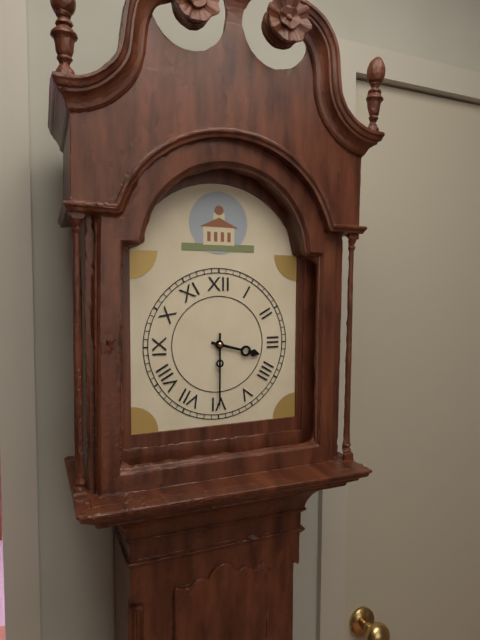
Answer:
3h30
